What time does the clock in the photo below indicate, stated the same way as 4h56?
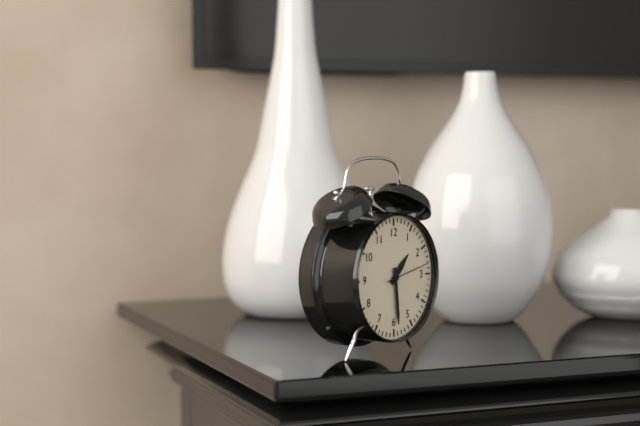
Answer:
1h29
